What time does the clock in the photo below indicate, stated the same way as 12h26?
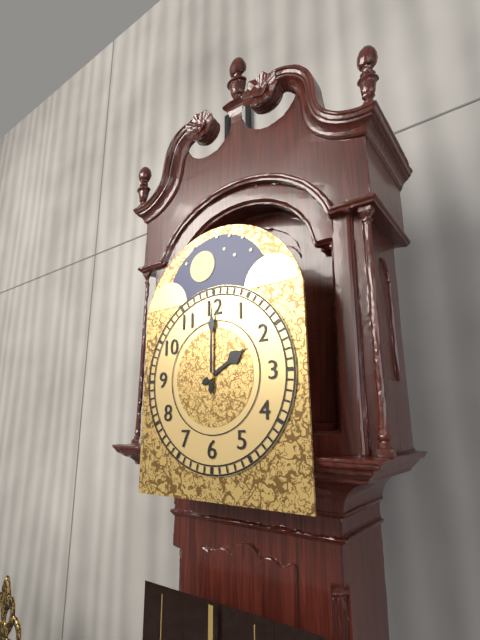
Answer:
2h00
